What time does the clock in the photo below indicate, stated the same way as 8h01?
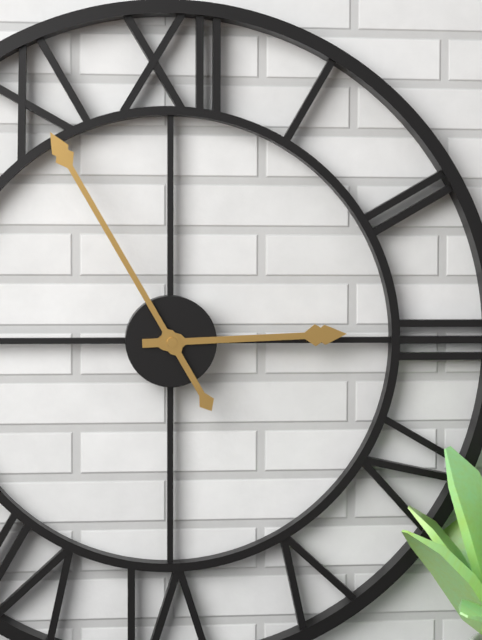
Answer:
2h55
